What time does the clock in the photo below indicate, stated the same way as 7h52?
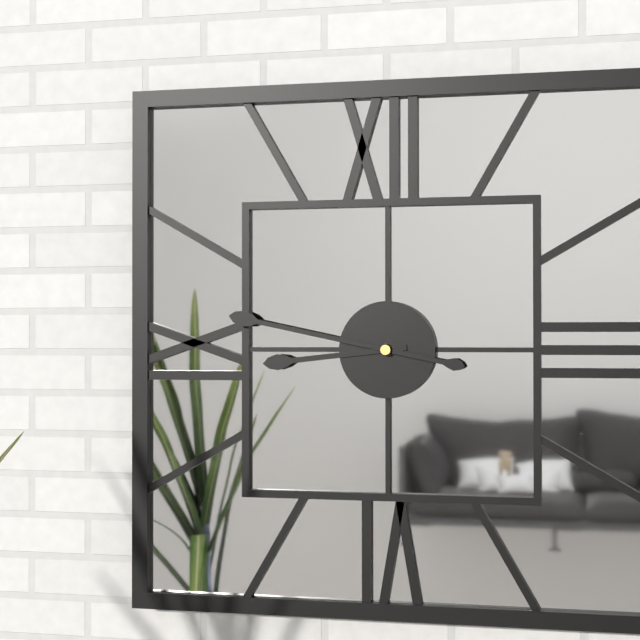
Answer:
8h47
